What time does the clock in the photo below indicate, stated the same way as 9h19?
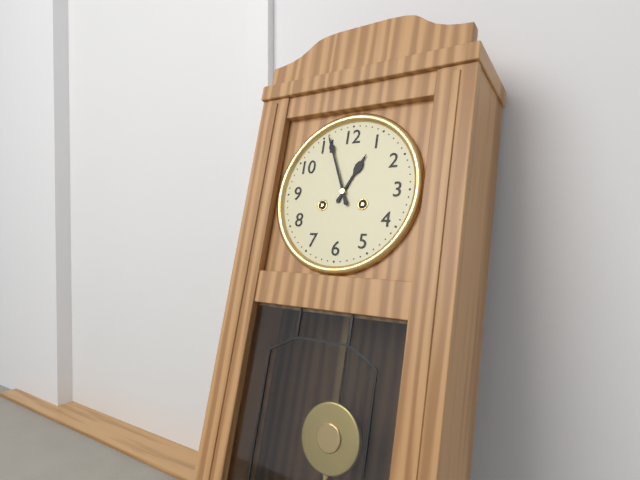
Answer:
12h56
